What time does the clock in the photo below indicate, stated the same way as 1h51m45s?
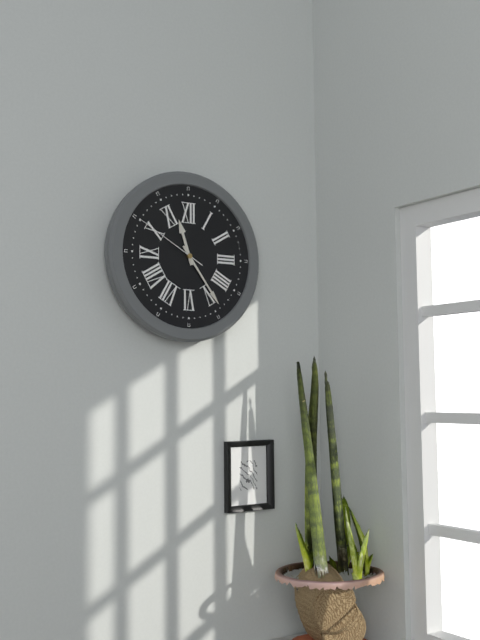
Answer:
11h24m50s
